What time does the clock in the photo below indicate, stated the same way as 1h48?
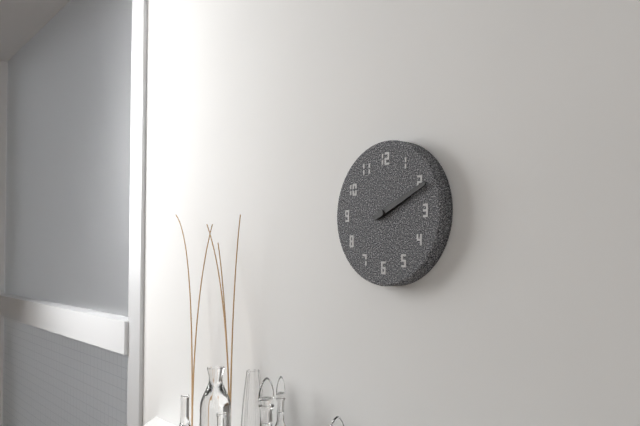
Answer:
2h11
